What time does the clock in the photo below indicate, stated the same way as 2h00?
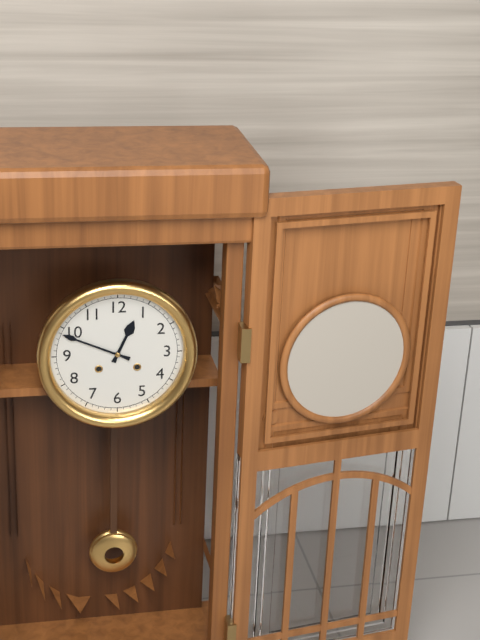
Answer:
12h49
